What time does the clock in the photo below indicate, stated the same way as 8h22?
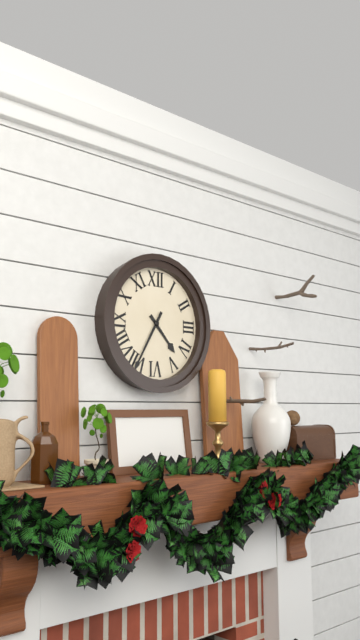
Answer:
4h35
